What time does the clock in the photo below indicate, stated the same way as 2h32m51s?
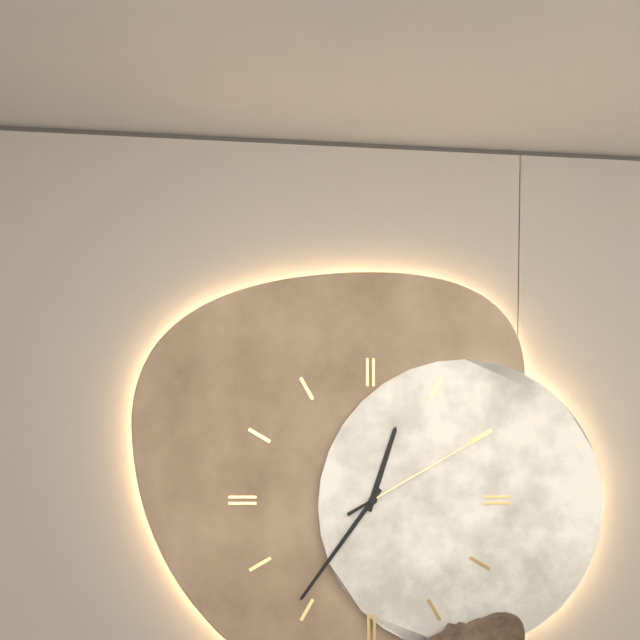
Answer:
12h36m10s
